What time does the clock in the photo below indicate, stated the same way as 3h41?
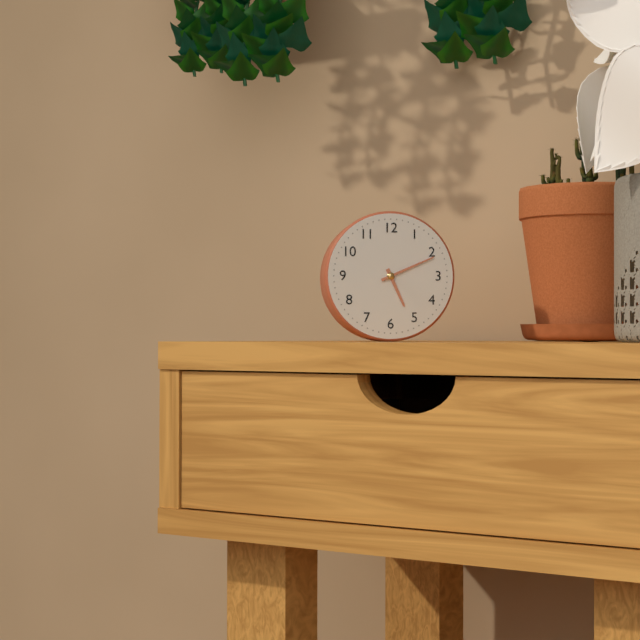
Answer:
5h11
